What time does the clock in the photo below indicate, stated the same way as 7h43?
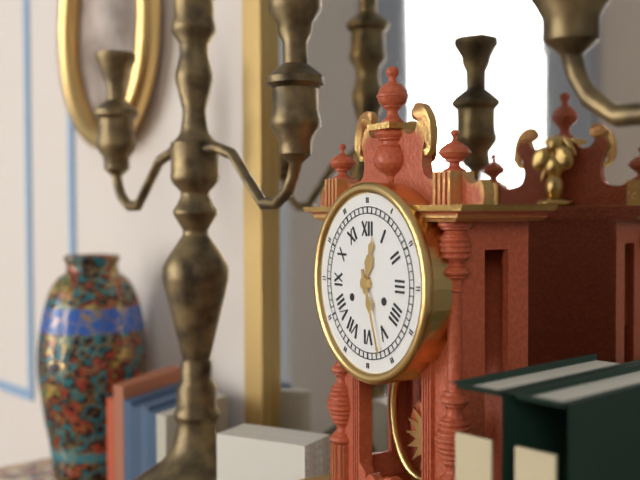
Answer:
12h27
